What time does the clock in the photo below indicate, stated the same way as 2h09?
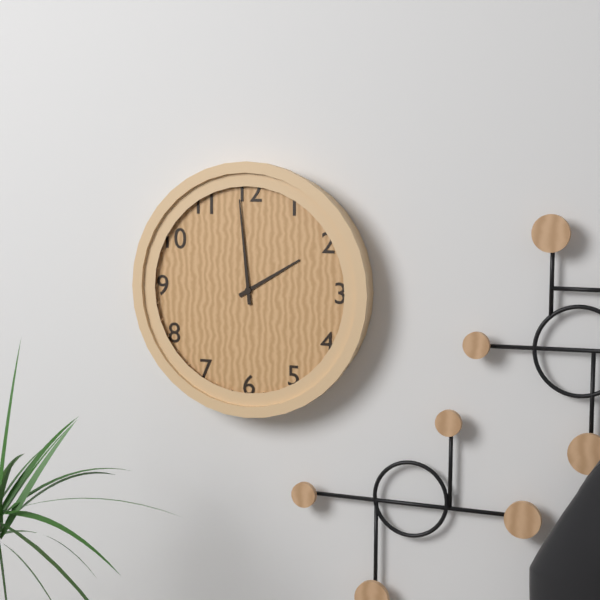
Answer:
1h59
